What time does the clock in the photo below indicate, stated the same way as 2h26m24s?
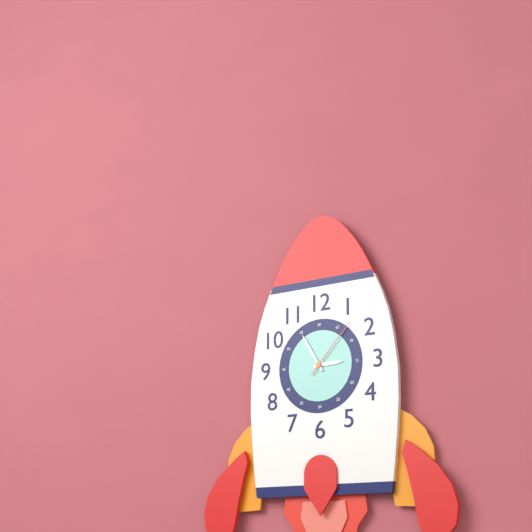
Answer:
2h55m07s
